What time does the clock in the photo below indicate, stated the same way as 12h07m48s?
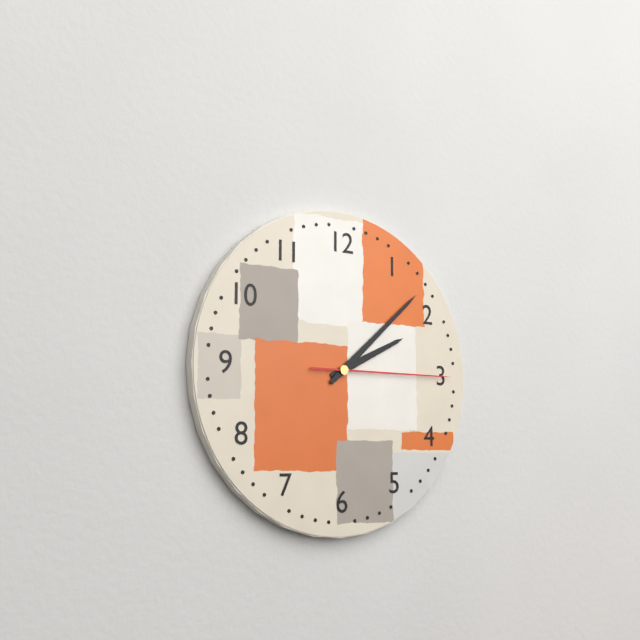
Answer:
2h08m15s
